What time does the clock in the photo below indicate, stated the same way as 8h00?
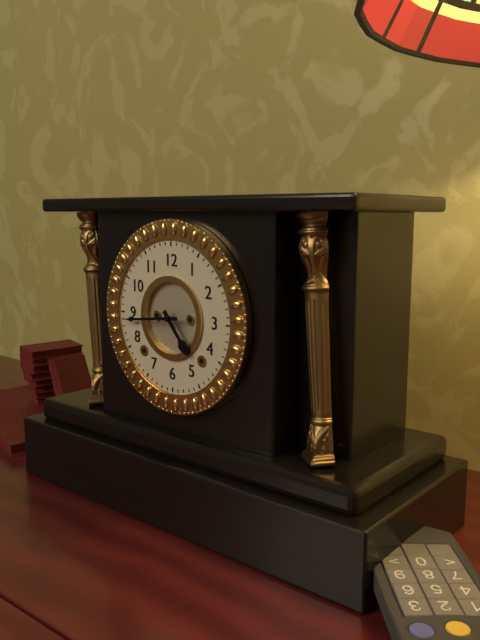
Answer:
4h44
